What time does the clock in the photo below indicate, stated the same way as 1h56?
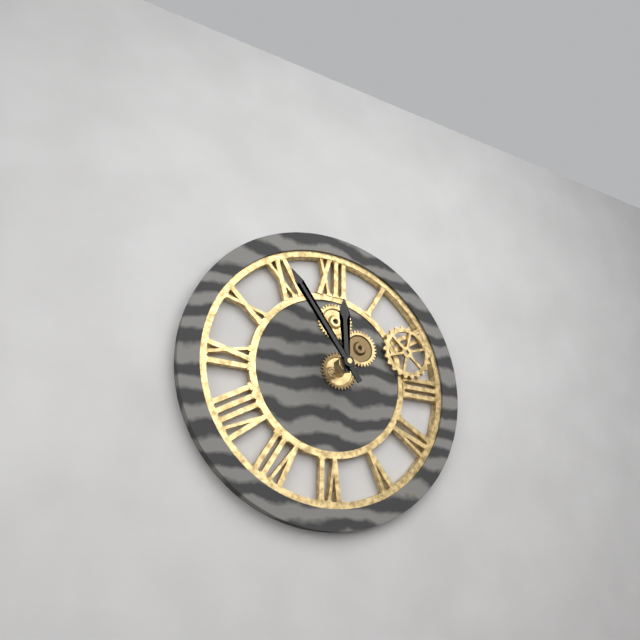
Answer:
11h54
